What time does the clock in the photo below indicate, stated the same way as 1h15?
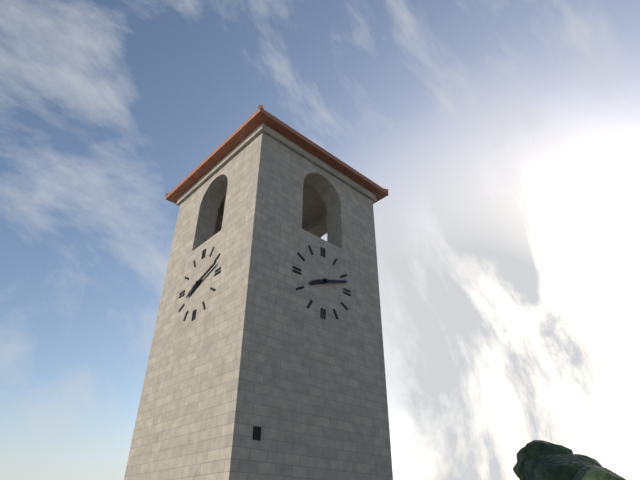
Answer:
8h12
